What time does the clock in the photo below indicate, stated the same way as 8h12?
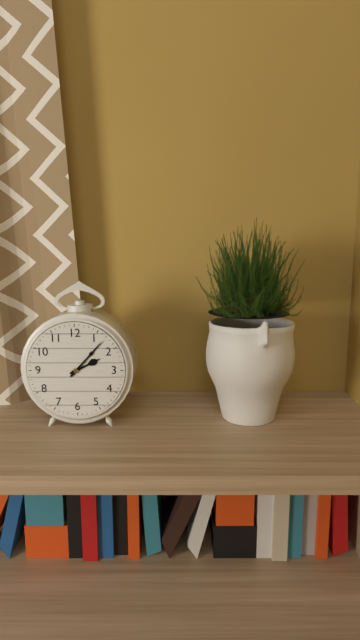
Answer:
2h07
